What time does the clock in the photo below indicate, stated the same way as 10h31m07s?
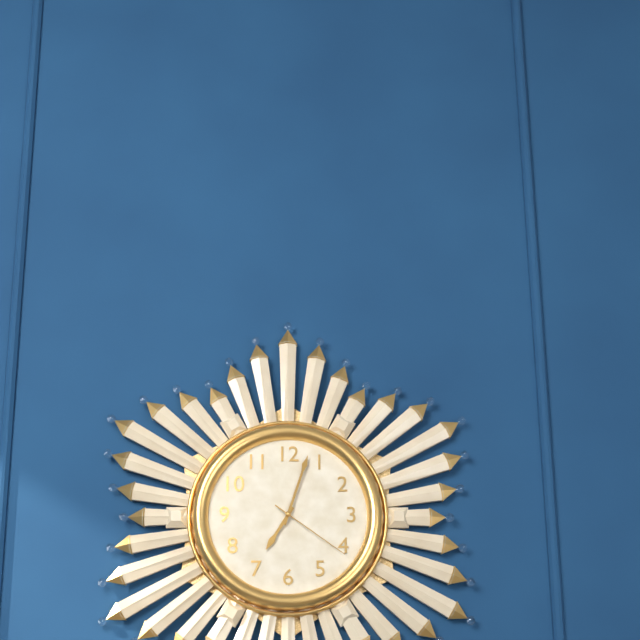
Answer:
7h03m21s
